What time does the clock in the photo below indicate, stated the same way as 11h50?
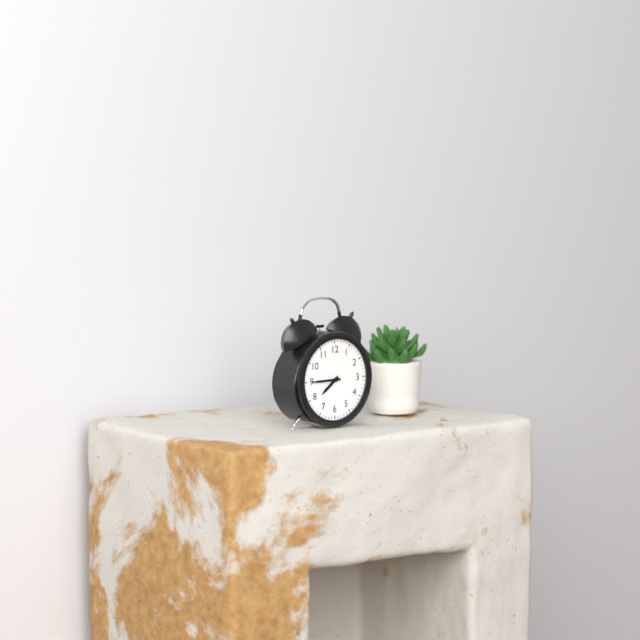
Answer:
7h45
